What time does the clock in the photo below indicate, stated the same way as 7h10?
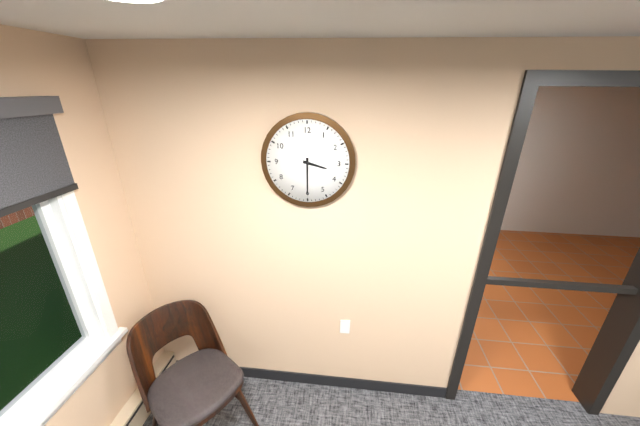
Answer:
3h30
